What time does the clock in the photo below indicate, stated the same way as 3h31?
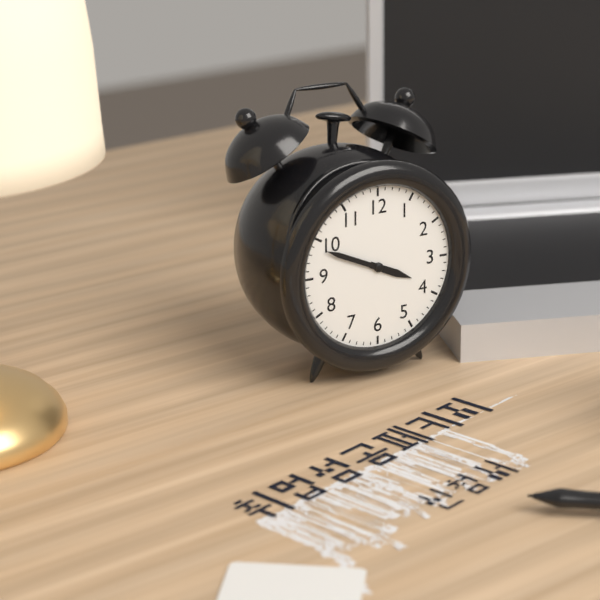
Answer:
3h49
